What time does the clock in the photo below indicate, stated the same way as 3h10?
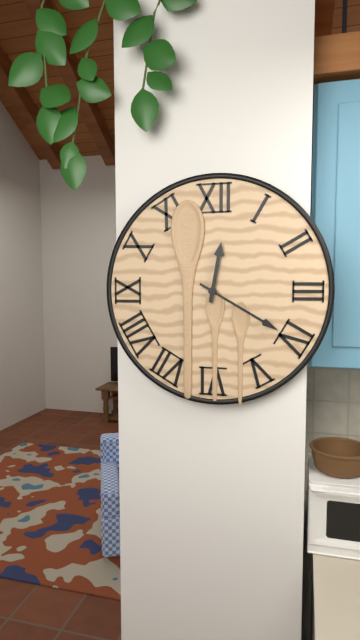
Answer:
12h20
